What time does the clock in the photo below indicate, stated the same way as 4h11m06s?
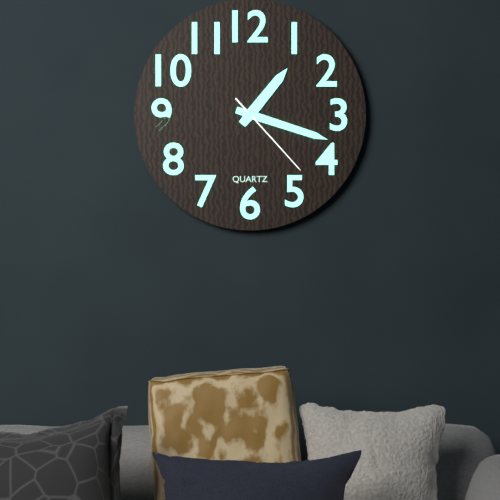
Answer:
1h18m23s
